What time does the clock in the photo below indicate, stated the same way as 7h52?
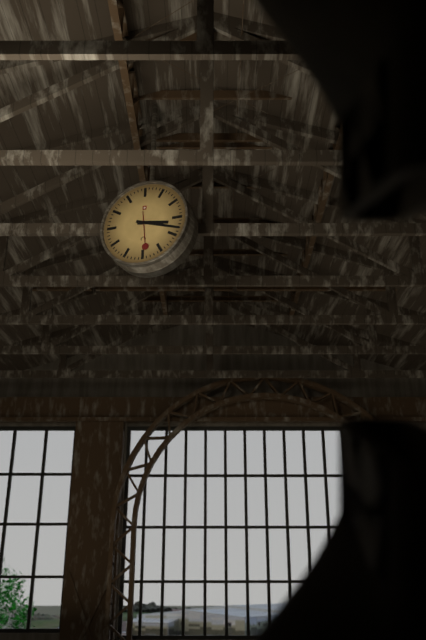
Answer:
3h18
